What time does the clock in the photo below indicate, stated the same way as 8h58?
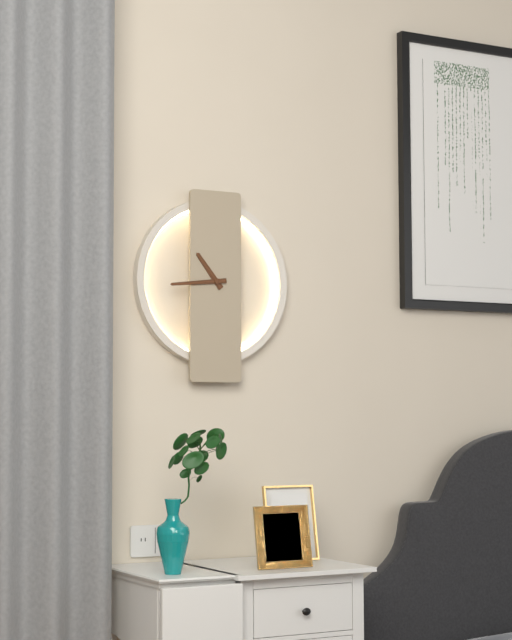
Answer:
10h44
